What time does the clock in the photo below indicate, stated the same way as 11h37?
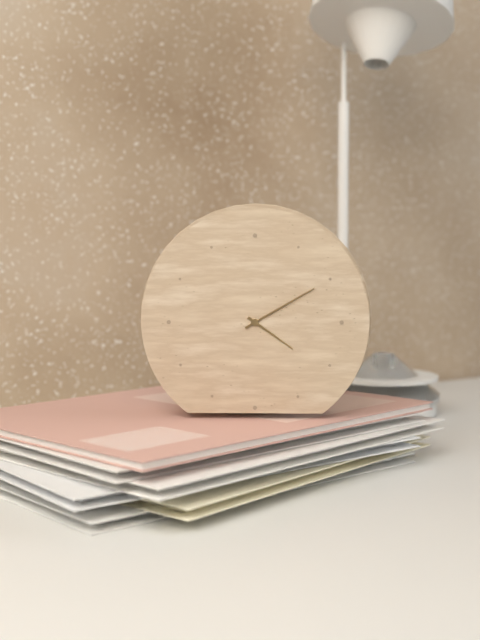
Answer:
4h10
